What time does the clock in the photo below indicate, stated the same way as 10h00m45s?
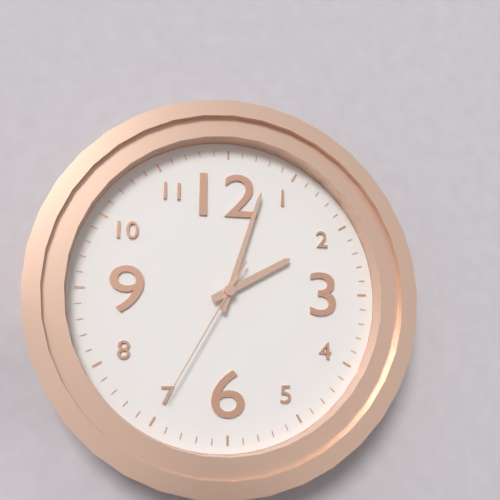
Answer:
2h03m35s
